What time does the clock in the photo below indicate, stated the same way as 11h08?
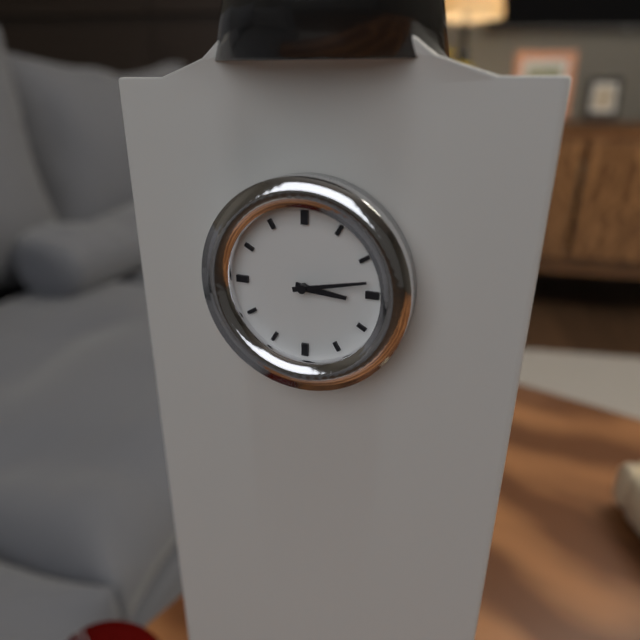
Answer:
3h13
